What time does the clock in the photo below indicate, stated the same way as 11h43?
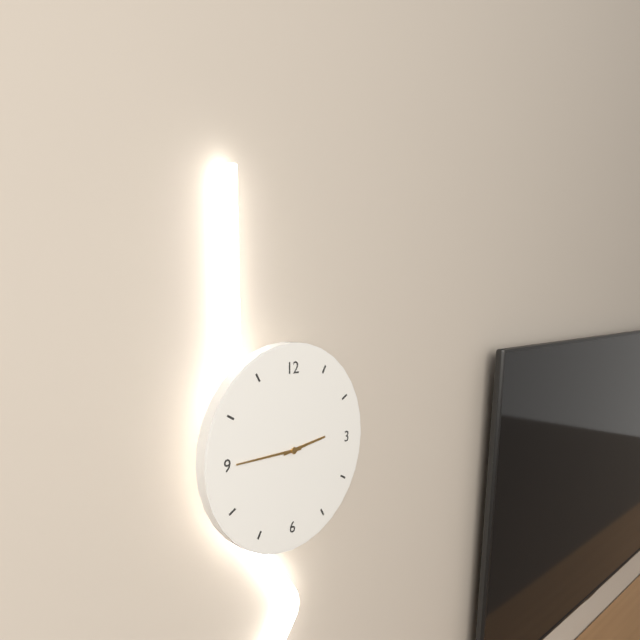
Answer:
2h45
